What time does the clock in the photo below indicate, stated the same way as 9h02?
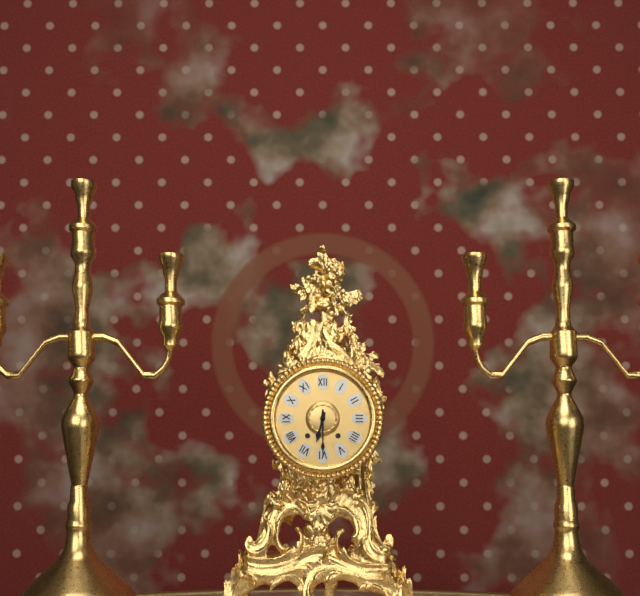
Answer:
6h30
